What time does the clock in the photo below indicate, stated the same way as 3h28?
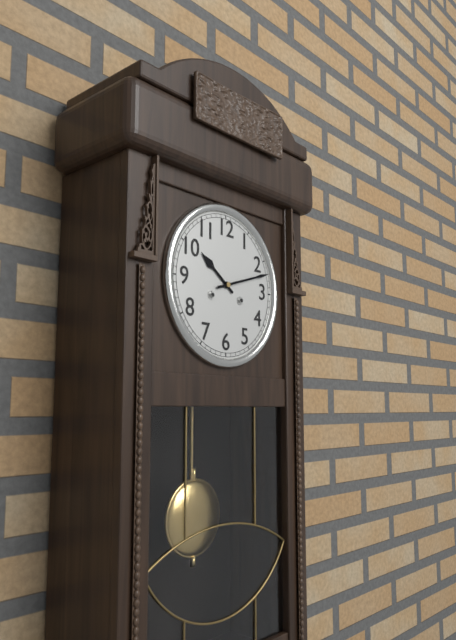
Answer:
10h12
